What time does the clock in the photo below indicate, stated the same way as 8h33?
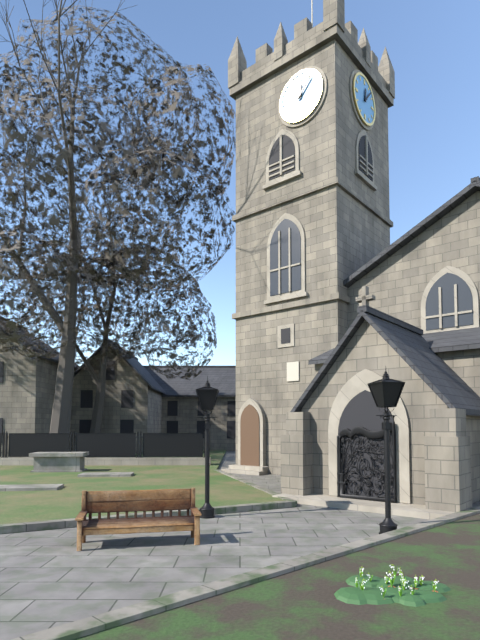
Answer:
12h07
